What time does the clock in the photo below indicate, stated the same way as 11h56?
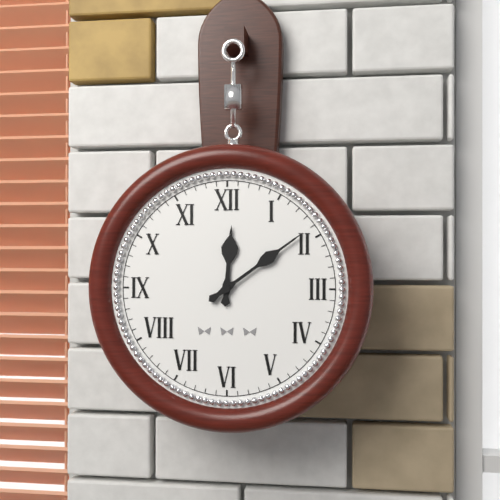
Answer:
12h09
